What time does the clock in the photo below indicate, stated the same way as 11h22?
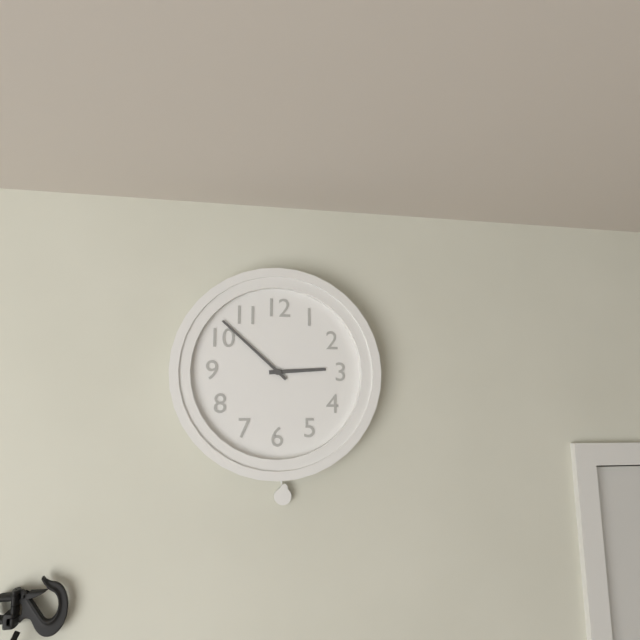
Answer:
2h52
